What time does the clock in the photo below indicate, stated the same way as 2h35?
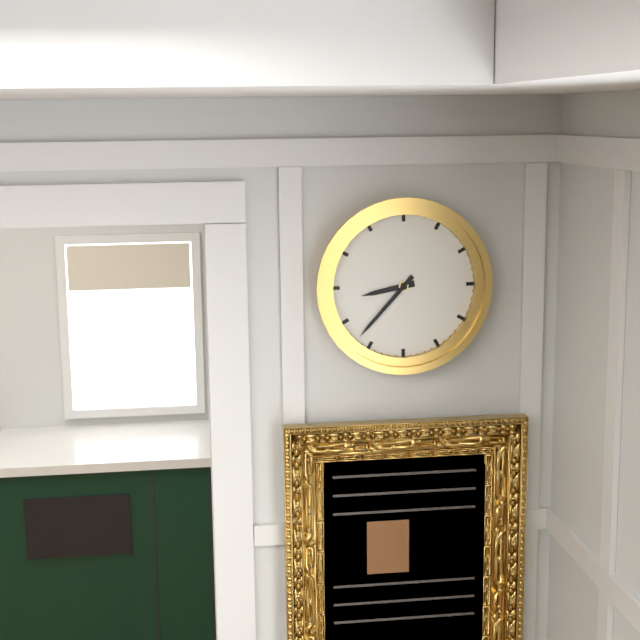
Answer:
8h37
